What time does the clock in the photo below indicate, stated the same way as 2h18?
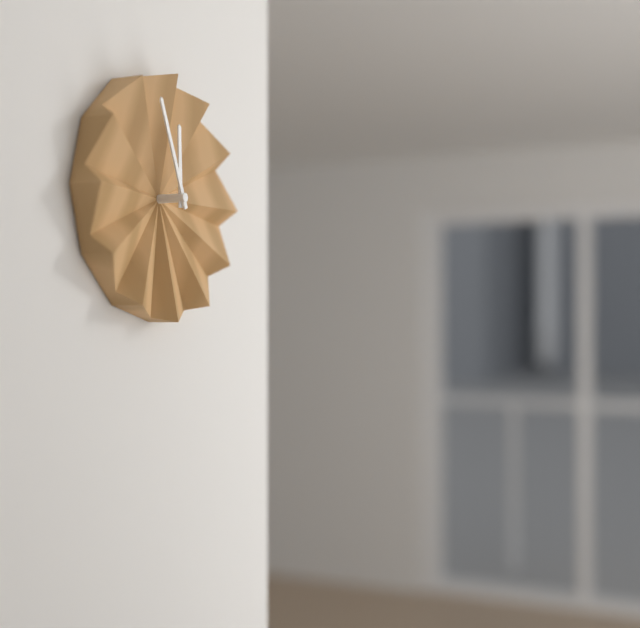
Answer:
11h56
